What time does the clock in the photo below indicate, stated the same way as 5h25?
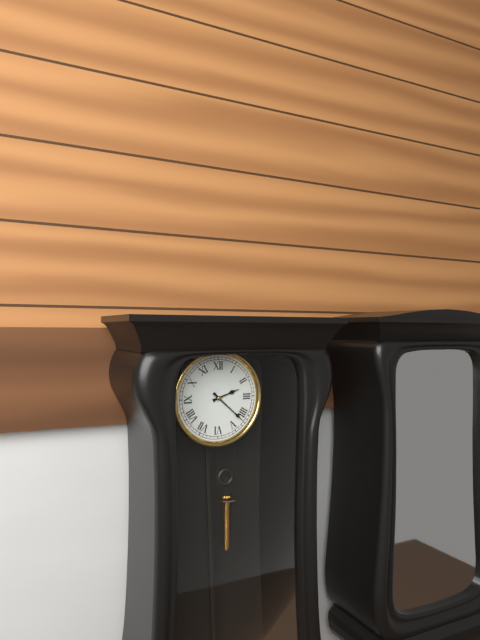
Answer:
2h22
